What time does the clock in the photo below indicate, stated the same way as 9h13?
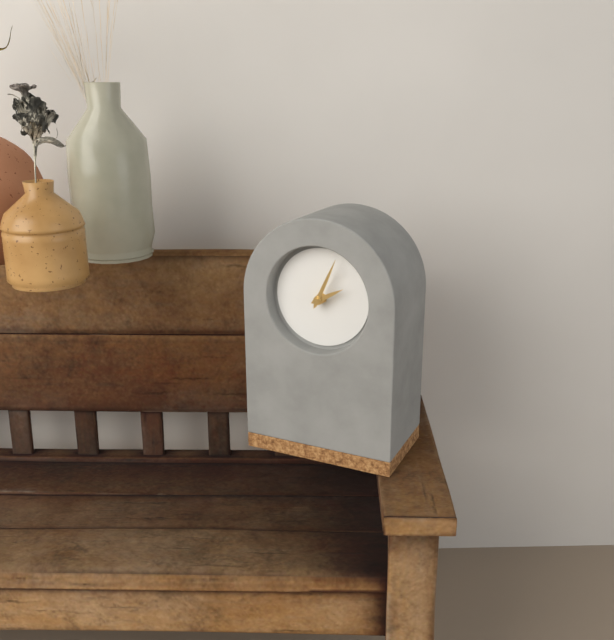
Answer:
2h04
